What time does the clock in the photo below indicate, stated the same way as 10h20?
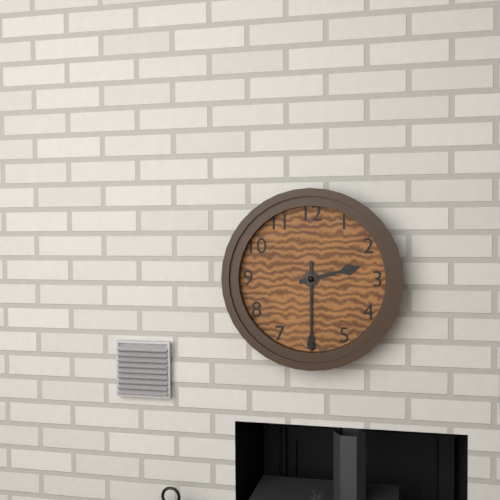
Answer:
2h30
